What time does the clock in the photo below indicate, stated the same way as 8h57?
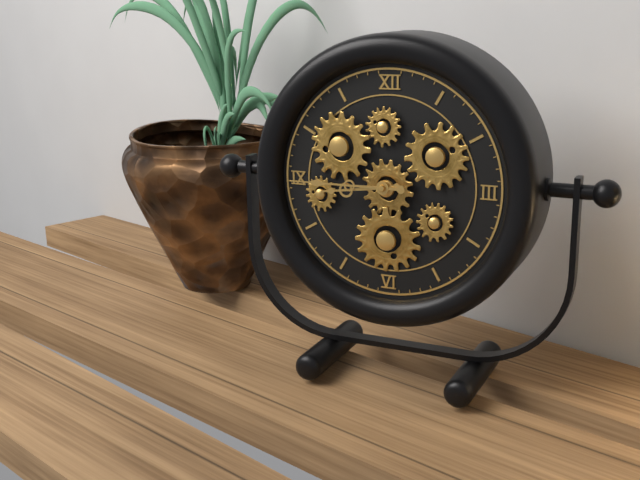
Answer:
8h45
